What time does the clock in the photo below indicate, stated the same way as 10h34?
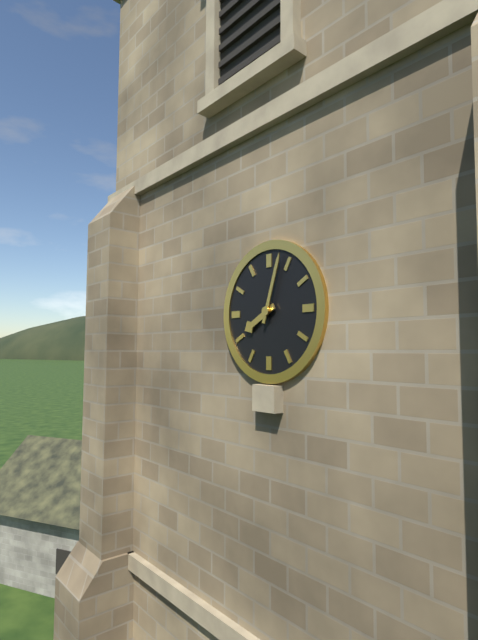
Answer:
8h03
